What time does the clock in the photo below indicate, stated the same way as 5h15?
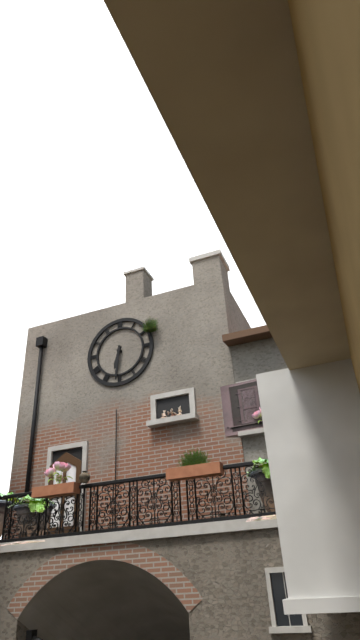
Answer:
6h31
